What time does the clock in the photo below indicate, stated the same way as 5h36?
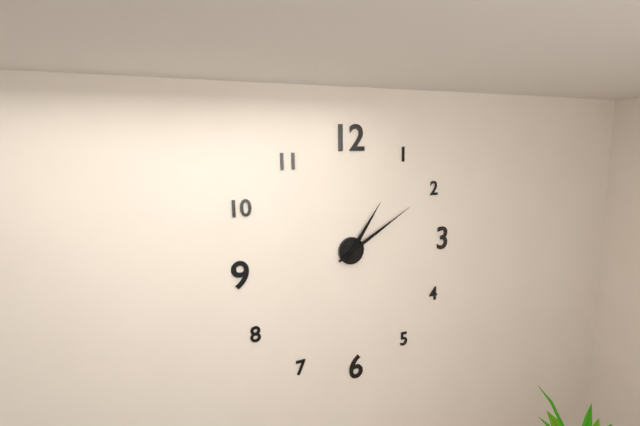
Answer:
1h10
